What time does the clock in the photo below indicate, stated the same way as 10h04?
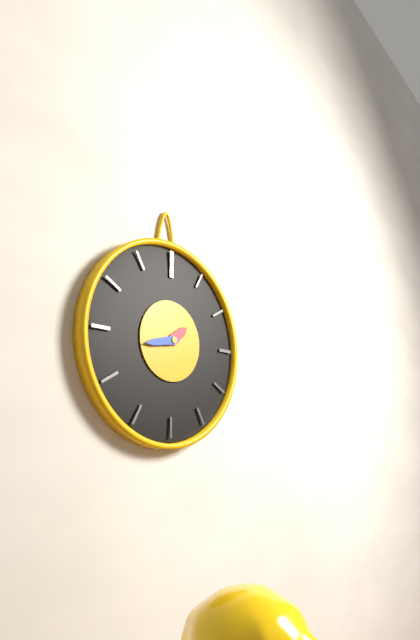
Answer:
1h43
